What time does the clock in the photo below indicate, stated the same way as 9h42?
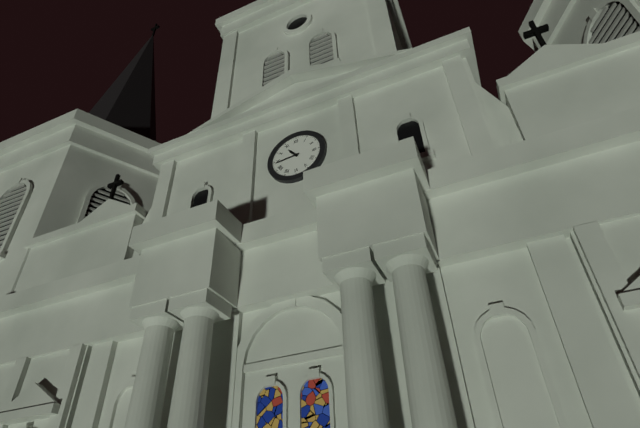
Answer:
10h44
